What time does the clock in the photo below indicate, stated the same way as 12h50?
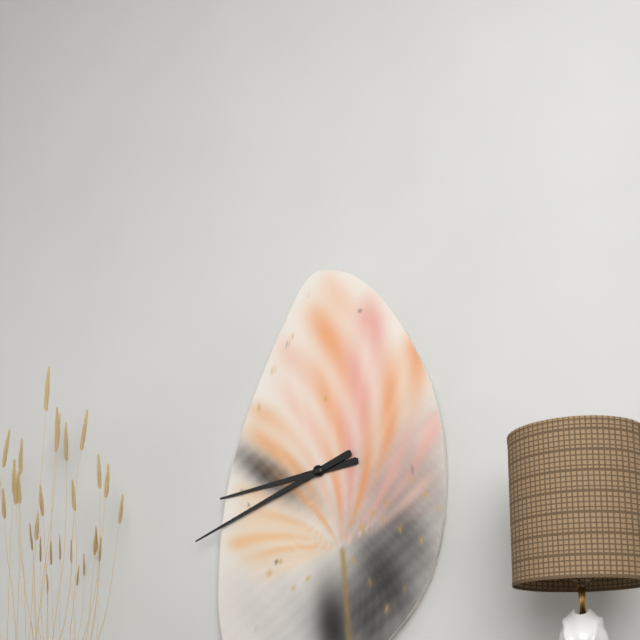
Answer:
8h41
